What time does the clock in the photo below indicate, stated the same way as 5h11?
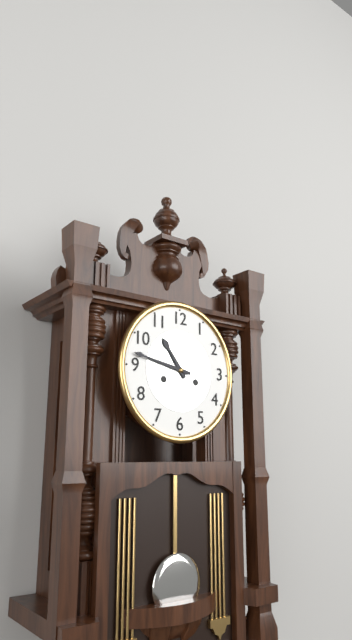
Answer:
10h47
